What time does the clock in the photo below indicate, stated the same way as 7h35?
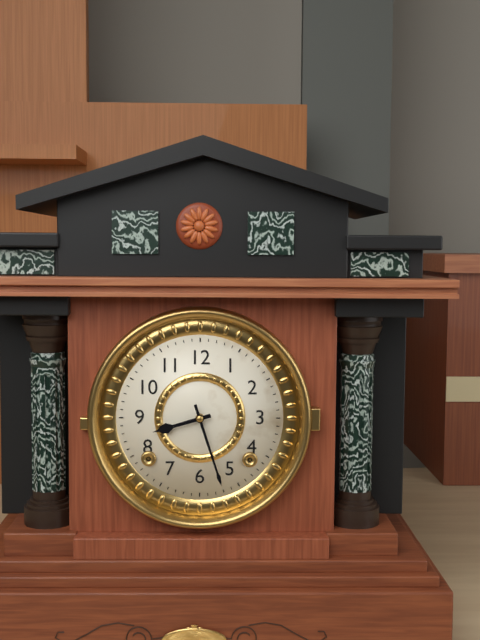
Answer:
8h27
